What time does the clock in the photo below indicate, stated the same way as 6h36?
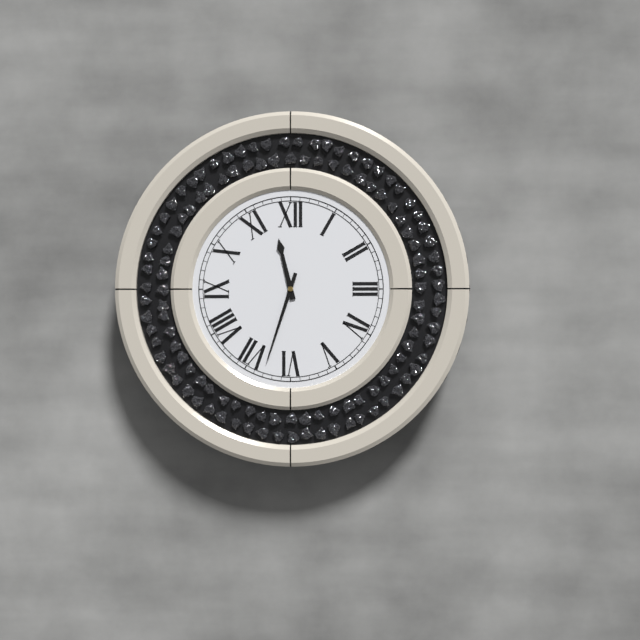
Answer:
11h33
